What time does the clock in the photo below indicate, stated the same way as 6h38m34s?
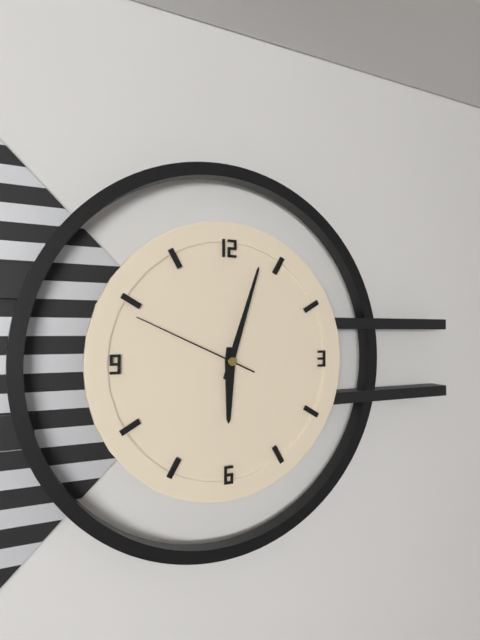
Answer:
6h03m49s
